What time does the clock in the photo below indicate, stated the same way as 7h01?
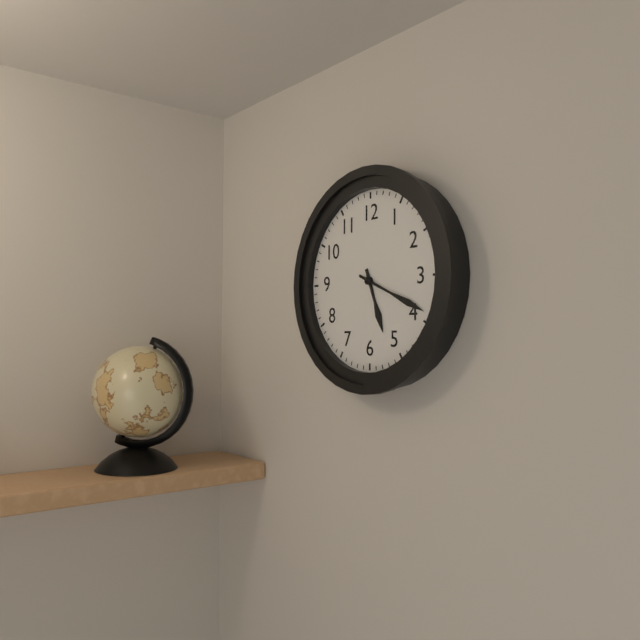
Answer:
5h19
